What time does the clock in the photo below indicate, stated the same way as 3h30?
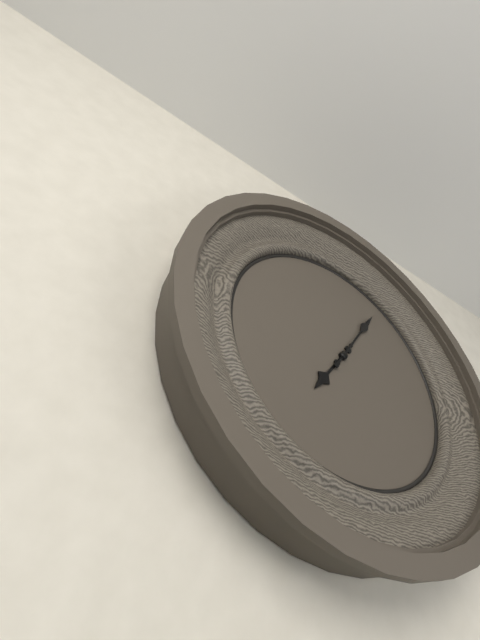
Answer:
7h05
